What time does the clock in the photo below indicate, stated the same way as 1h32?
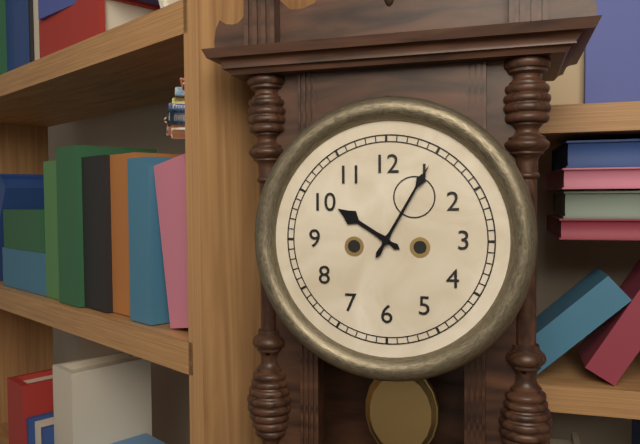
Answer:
10h05
